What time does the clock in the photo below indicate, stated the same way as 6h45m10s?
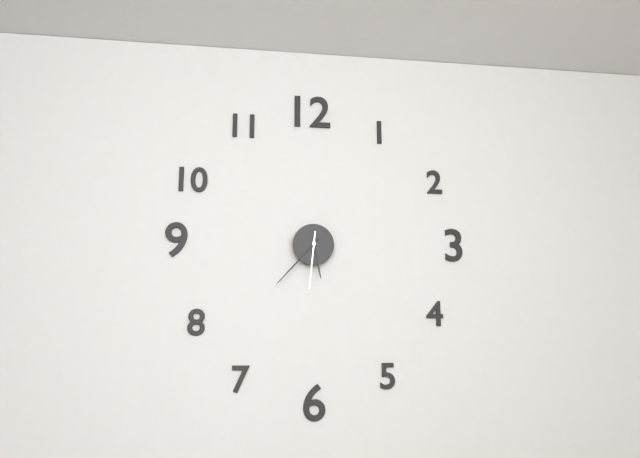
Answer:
5h37m31s
